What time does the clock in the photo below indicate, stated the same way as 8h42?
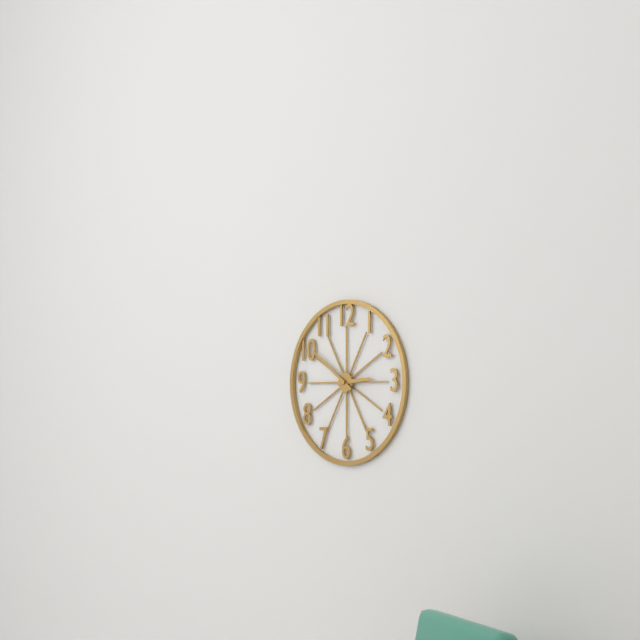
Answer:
2h51
